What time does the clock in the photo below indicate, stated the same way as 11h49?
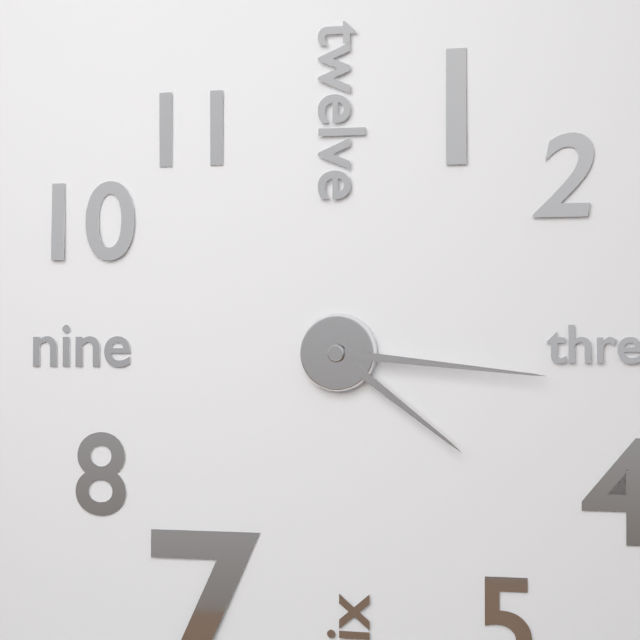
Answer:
4h16
